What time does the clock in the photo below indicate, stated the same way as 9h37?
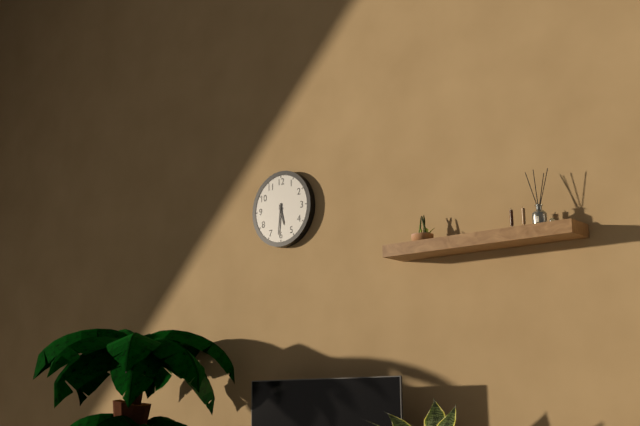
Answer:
5h31
